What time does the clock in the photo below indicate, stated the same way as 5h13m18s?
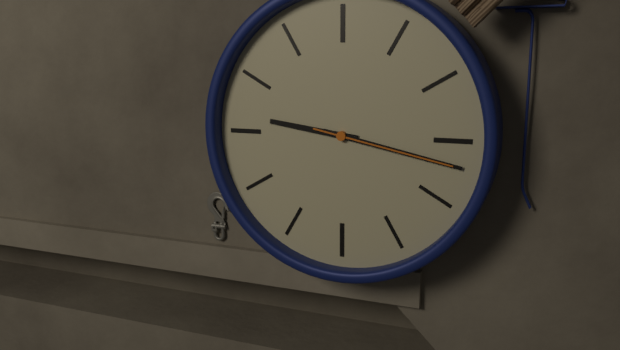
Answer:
9h17m17s
